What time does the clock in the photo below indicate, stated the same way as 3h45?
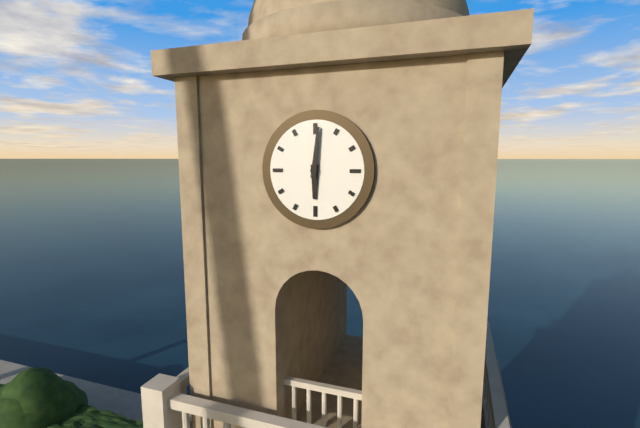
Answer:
6h01
